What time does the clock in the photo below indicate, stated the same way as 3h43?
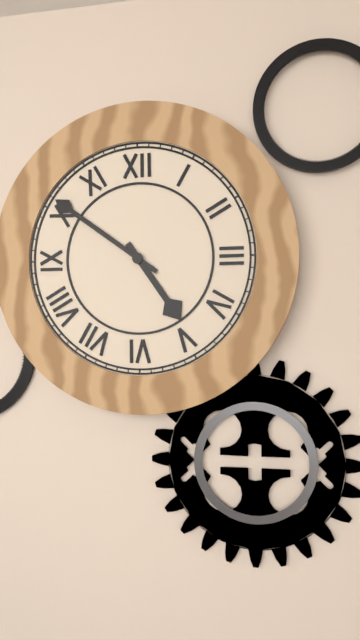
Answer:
4h51
